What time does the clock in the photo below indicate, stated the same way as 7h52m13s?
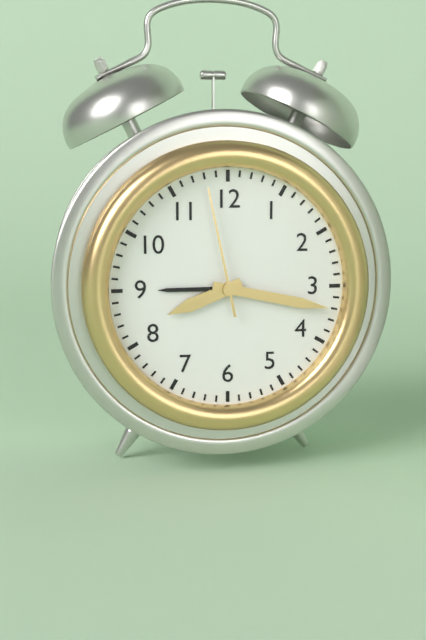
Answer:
8h17m58s
